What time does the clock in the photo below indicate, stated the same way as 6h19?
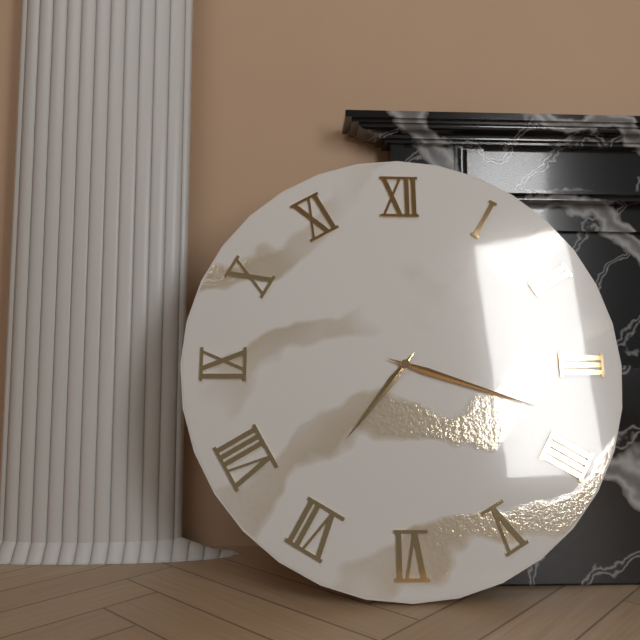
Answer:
7h18
